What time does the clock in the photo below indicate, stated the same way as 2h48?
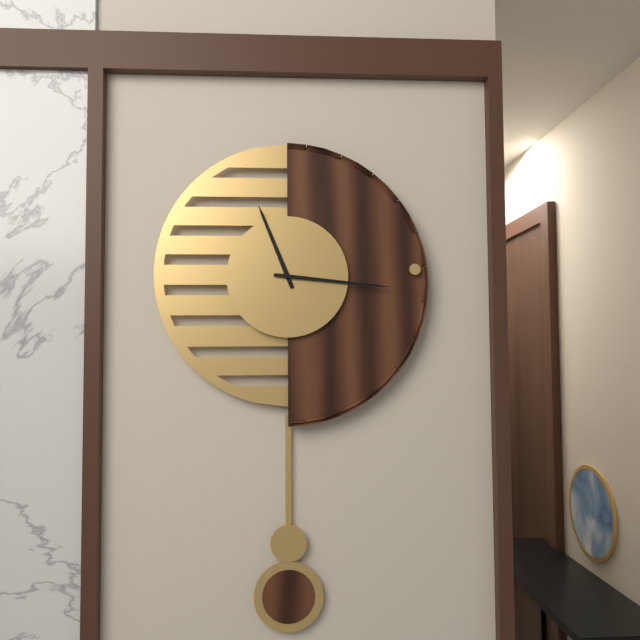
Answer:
11h16
